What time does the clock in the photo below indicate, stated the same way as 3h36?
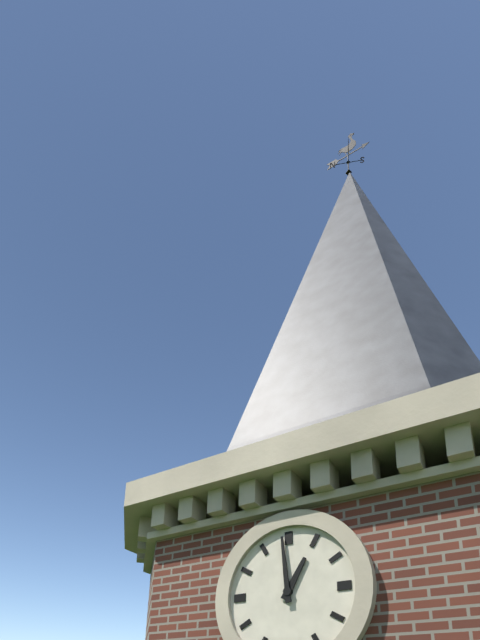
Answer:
12h59
